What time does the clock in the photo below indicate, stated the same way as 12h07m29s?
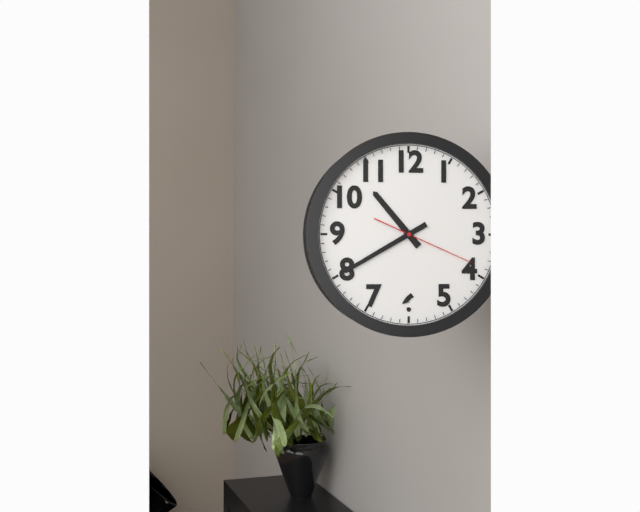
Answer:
10h40m19s
